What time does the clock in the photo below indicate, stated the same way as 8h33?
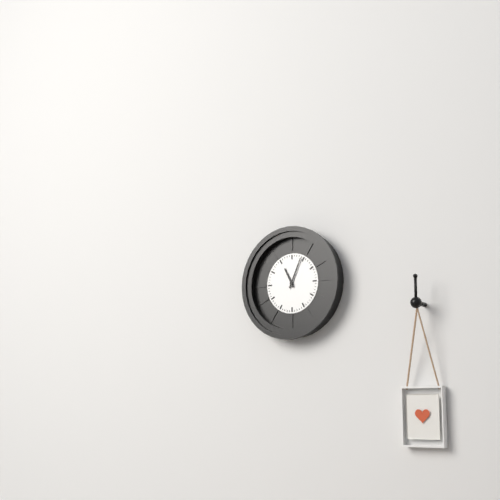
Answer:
11h04
